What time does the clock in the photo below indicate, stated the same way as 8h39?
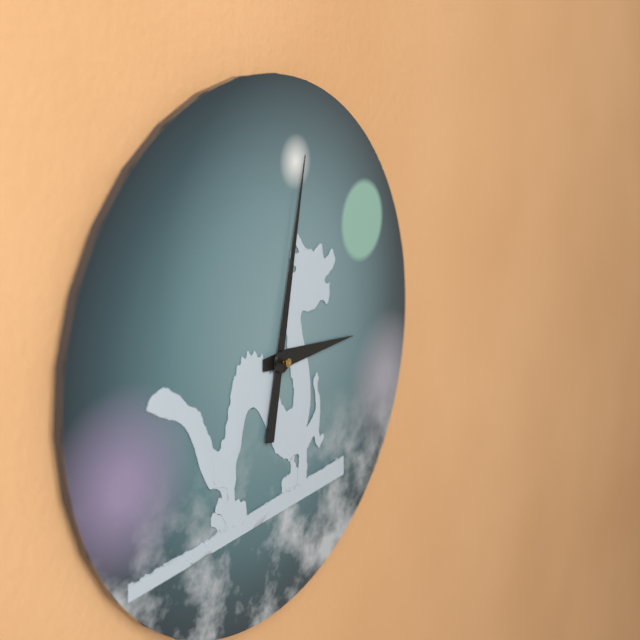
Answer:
3h02
